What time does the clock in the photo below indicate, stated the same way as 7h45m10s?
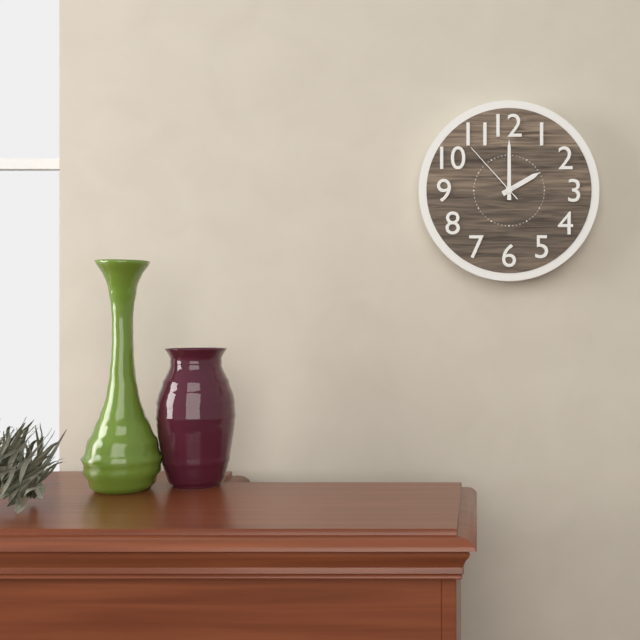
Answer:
2h00m53s
